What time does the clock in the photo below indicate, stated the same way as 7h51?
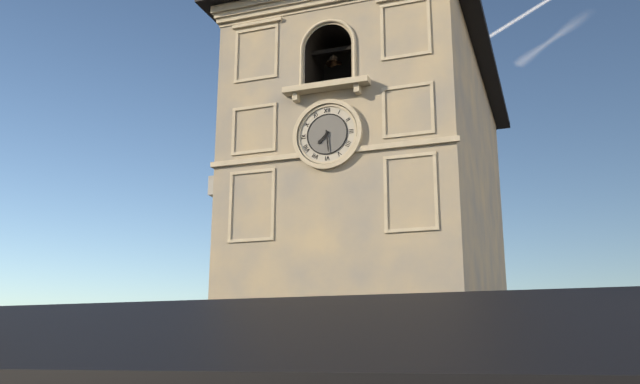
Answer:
7h29
